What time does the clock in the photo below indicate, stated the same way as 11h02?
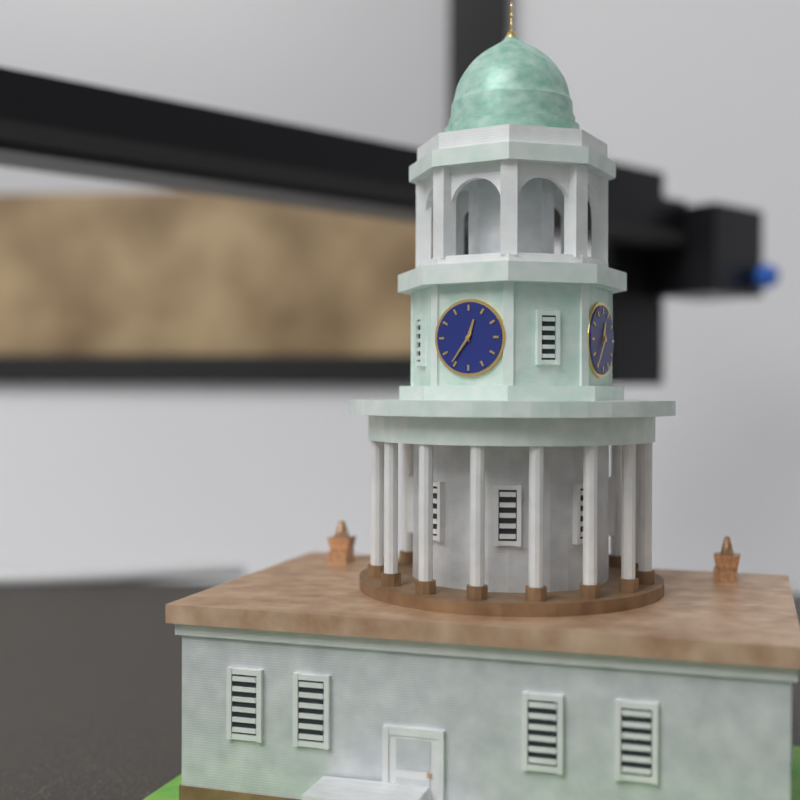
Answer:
12h36
